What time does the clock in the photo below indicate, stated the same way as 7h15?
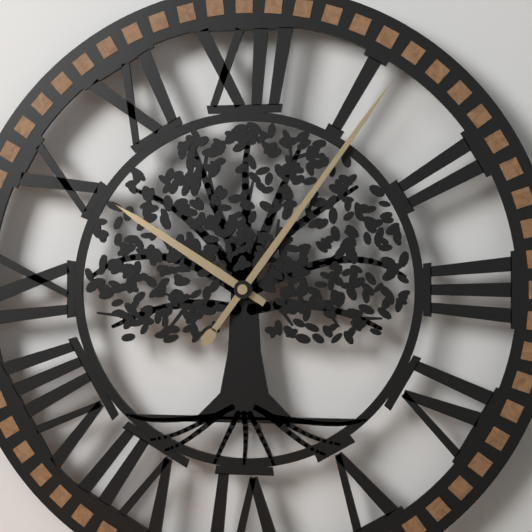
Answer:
10h06
